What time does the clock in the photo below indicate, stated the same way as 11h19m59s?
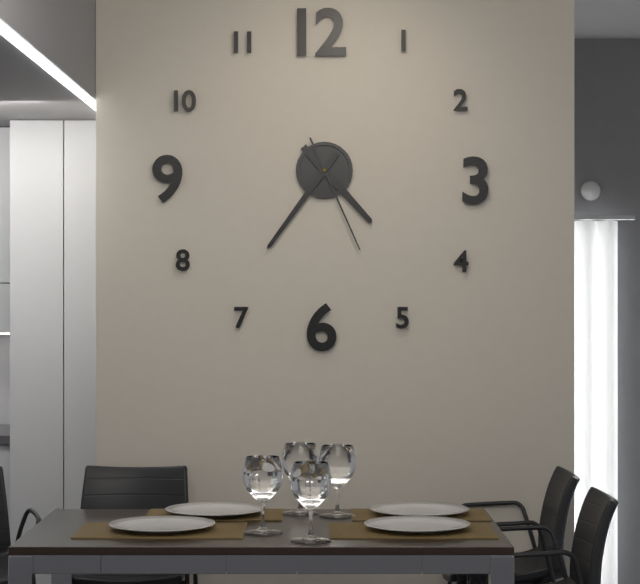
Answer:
4h36m26s
